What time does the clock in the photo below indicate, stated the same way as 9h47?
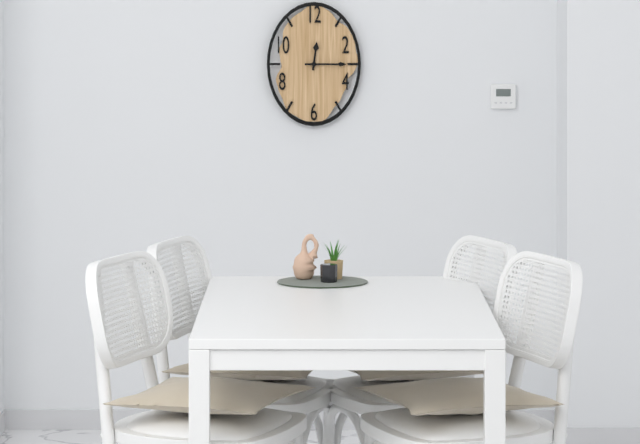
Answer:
12h15
